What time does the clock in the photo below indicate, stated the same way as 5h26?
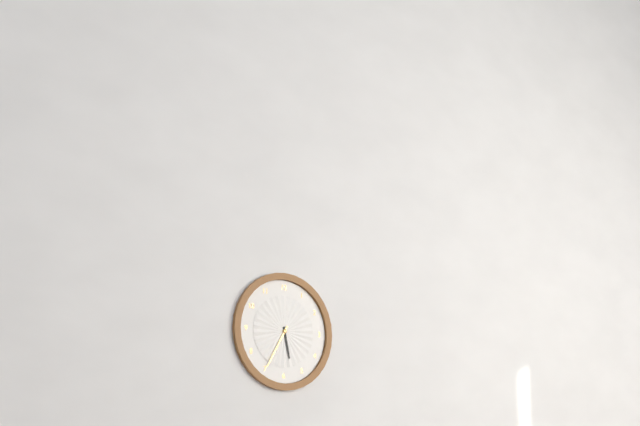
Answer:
5h35
